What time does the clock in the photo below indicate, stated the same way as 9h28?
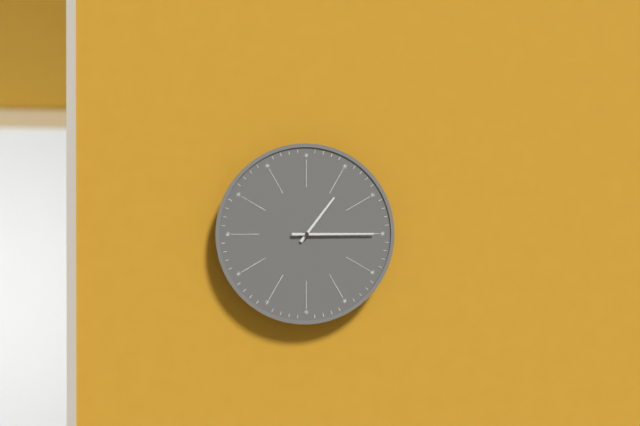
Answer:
1h15
